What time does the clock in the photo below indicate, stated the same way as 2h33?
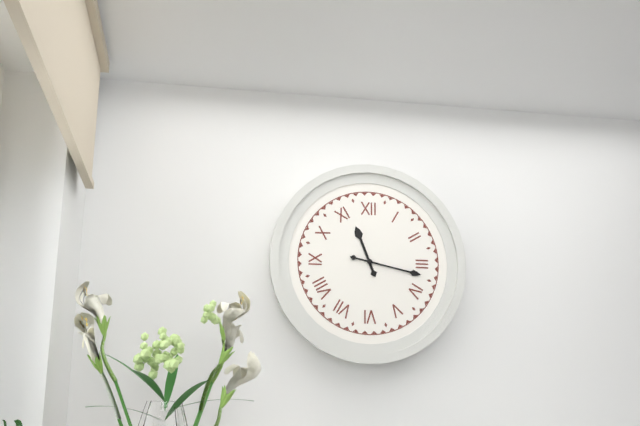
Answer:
11h17
